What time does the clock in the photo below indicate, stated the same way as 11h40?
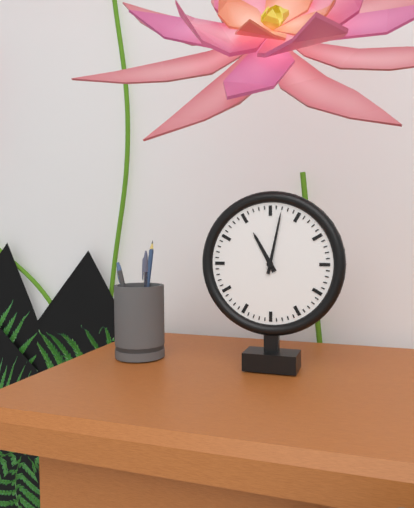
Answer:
11h02
